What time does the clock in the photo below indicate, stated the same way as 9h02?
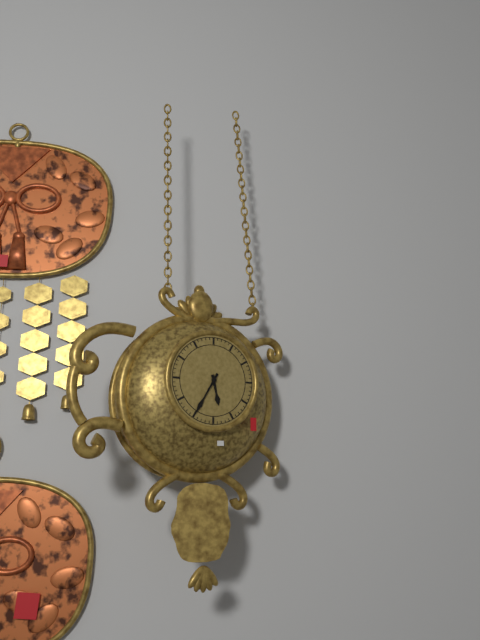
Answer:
5h35
